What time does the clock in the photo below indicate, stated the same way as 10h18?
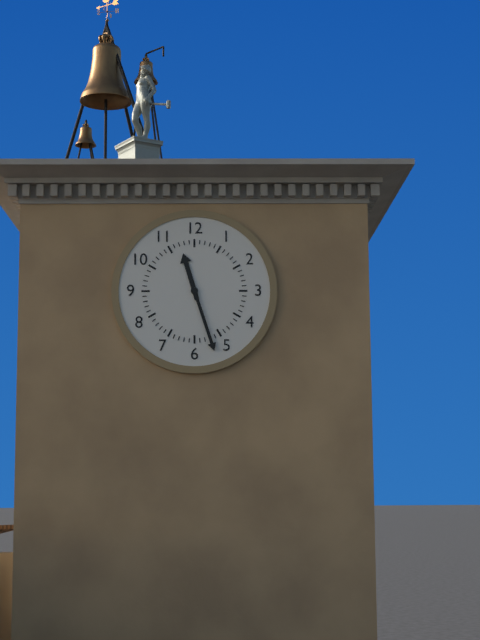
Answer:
11h27
